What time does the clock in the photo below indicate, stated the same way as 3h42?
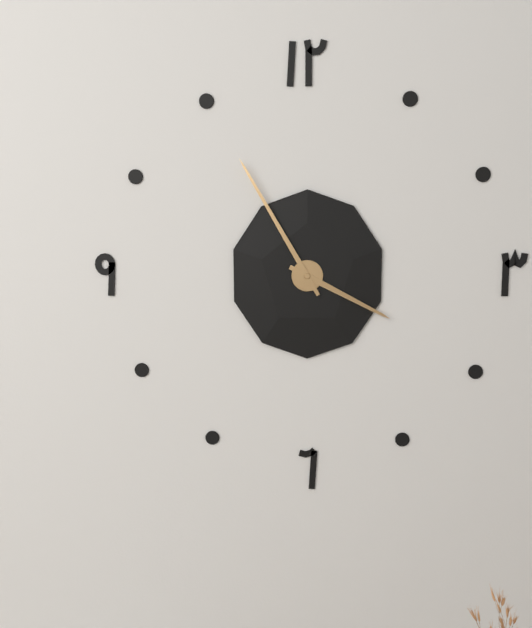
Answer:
3h55
